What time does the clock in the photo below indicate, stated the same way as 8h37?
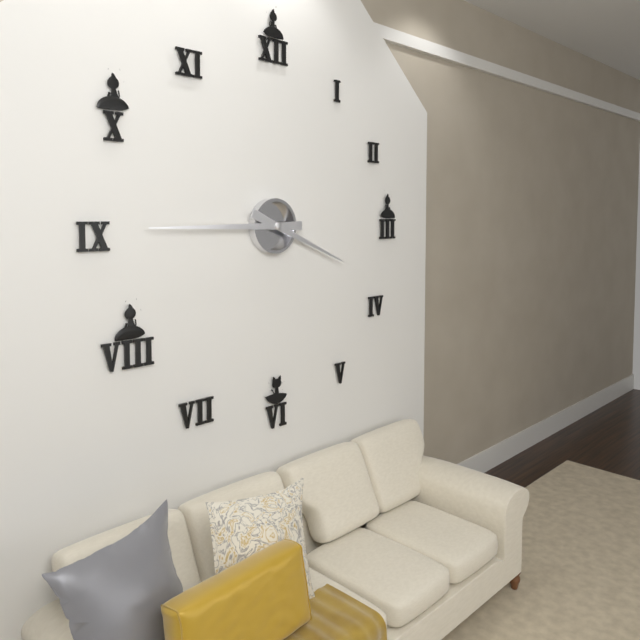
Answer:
3h45
